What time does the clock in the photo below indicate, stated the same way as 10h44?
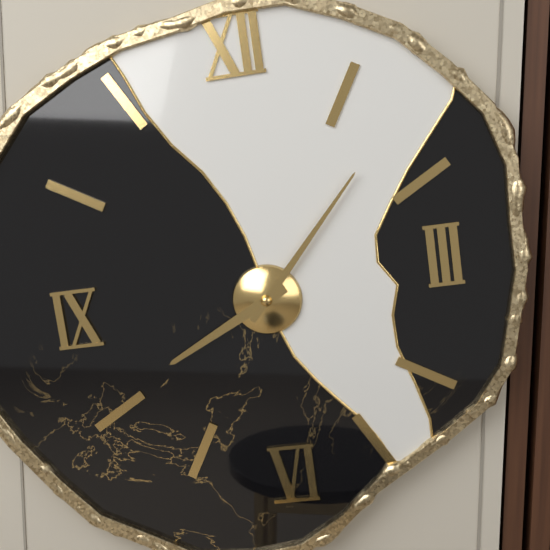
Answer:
8h07
